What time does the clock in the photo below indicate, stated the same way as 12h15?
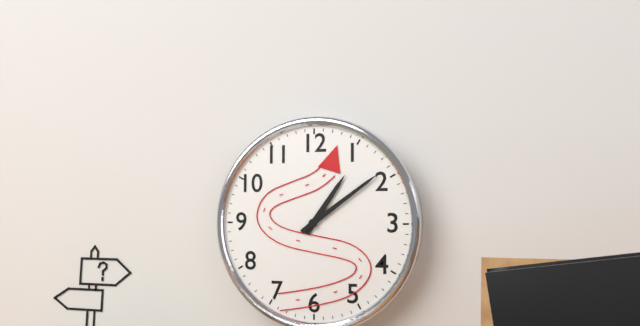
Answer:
1h09
